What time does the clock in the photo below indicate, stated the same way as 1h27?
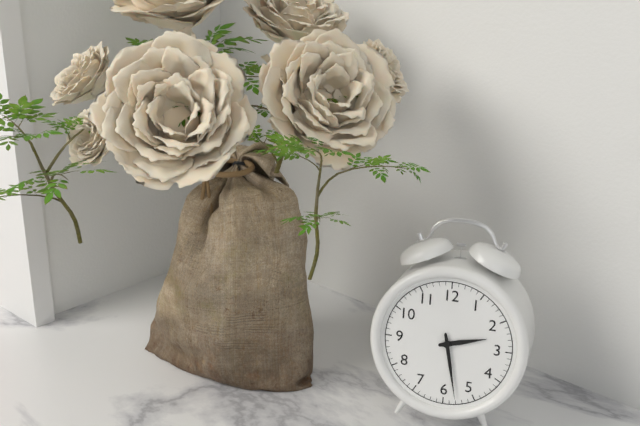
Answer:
2h28
